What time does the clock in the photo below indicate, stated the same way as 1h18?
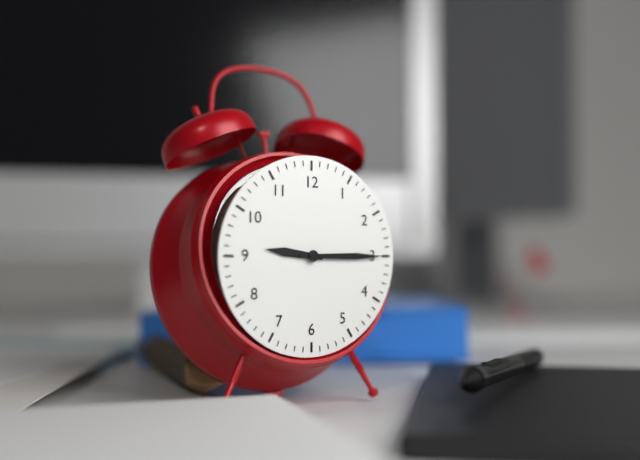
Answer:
9h15
